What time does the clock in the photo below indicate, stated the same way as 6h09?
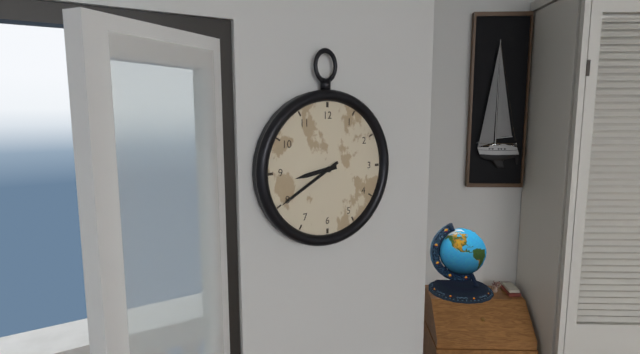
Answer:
8h40
